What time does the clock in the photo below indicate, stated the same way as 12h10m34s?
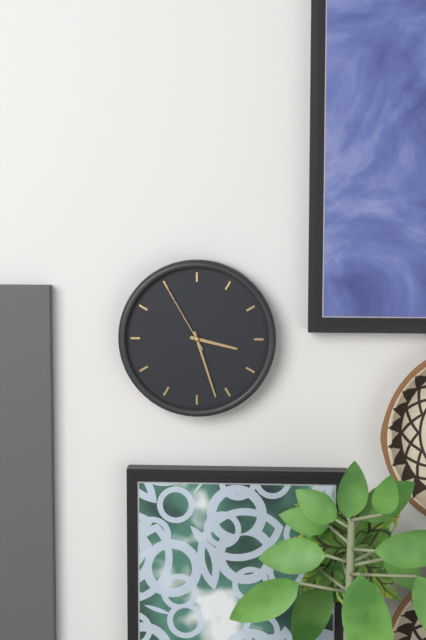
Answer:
3h27m55s
